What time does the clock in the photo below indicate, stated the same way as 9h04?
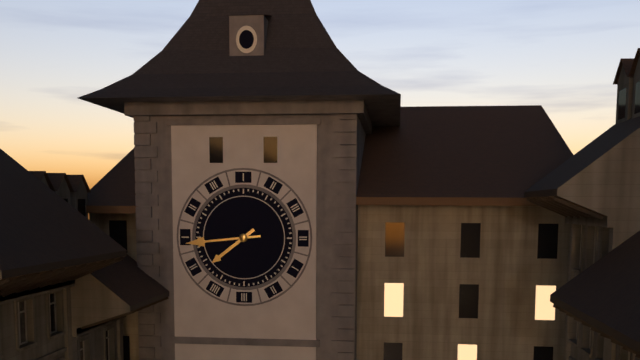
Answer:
7h44
